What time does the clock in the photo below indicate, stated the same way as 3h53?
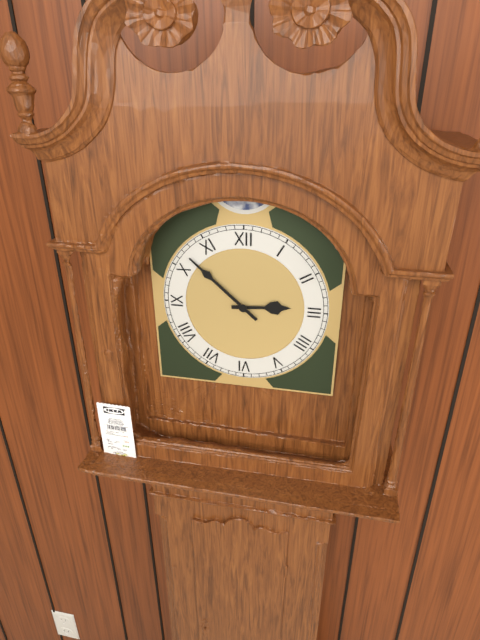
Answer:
2h52
